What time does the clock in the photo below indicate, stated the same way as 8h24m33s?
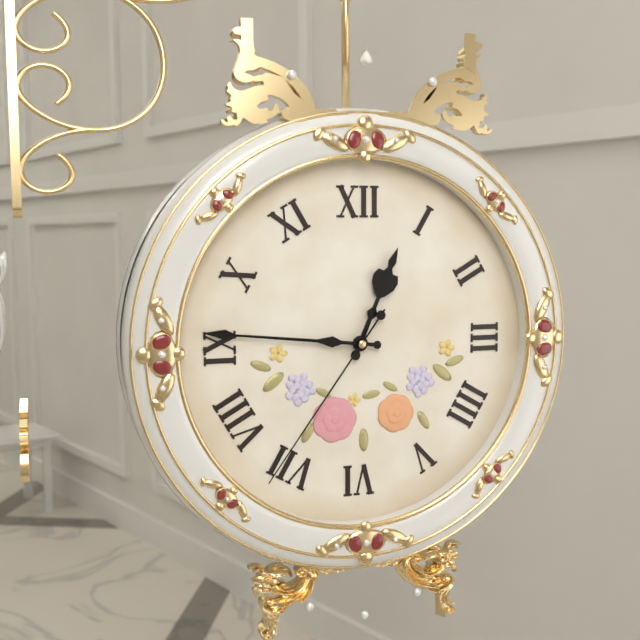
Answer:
12h46m36s
